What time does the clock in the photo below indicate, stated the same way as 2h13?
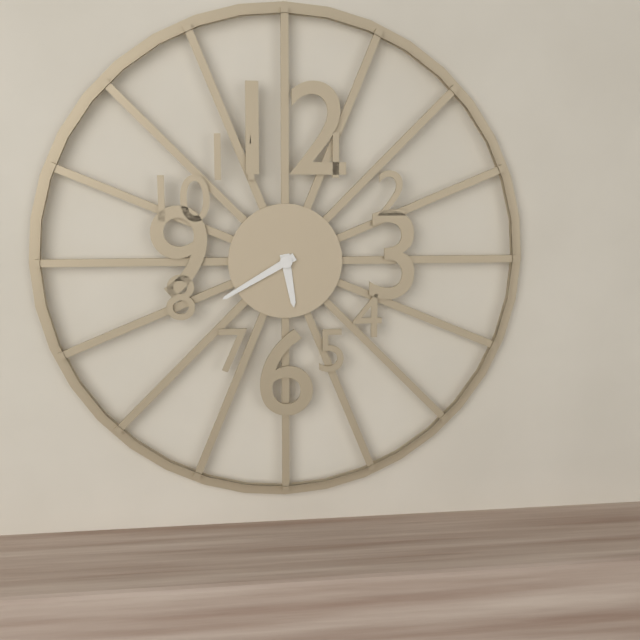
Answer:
5h40
